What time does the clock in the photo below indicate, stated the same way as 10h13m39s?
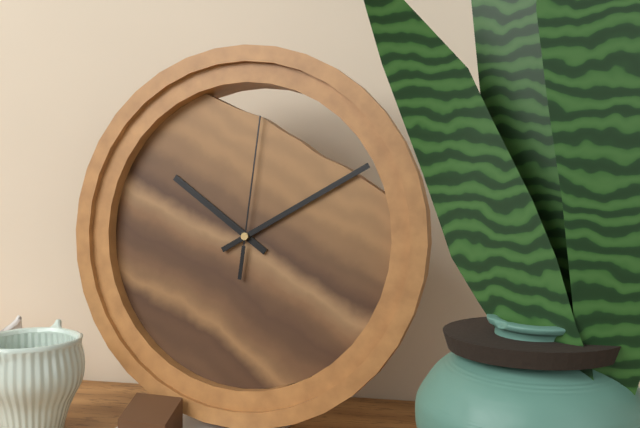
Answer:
10h10m01s
